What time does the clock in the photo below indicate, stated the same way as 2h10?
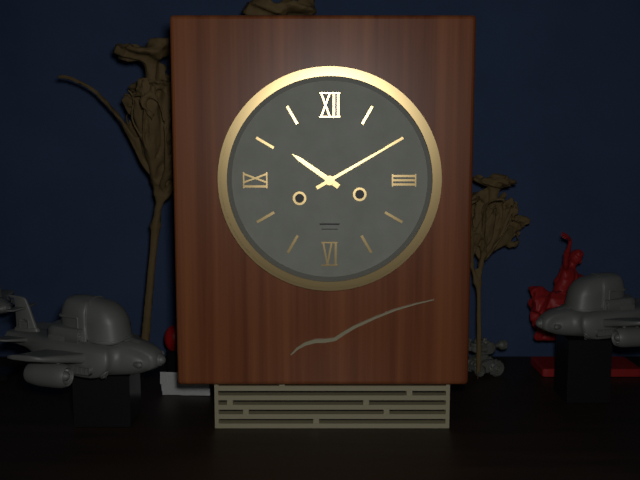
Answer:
10h10
